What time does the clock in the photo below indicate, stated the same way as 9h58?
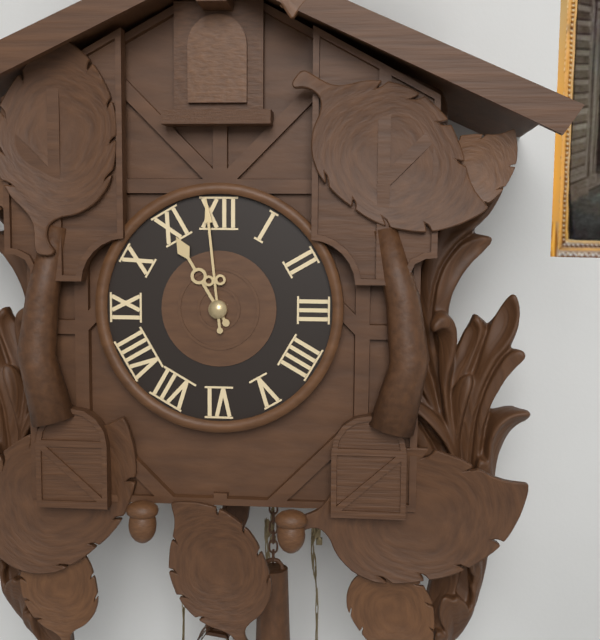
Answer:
10h59
